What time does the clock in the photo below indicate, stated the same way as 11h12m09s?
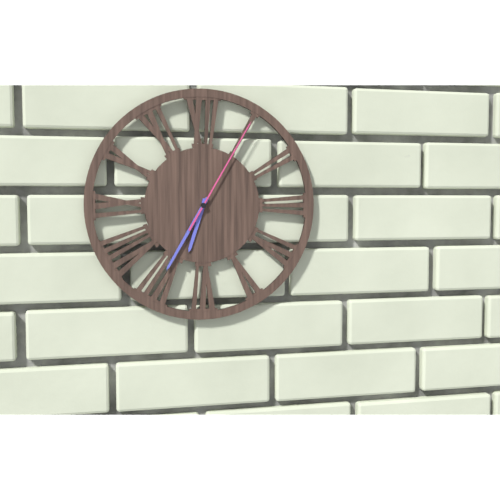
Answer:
6h35m05s
